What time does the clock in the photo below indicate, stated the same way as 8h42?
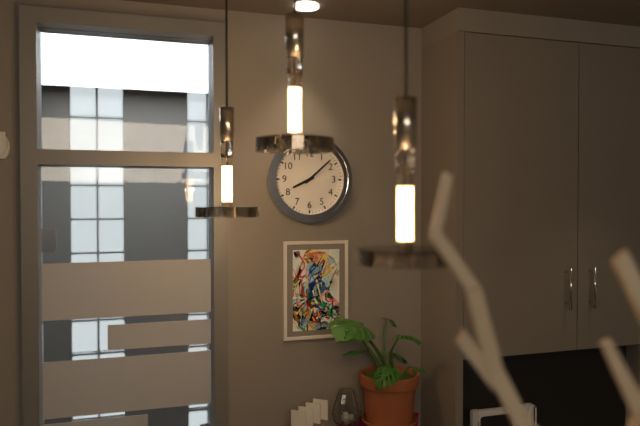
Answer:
8h08
